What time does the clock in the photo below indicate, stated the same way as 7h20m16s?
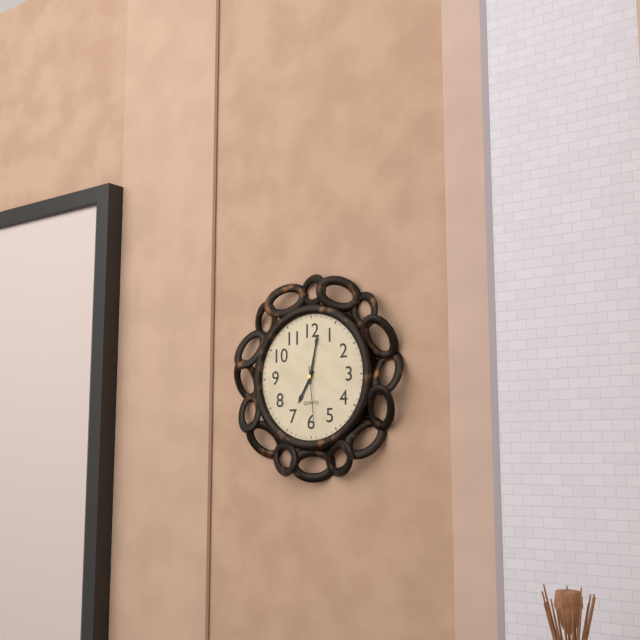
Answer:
7h02m29s
